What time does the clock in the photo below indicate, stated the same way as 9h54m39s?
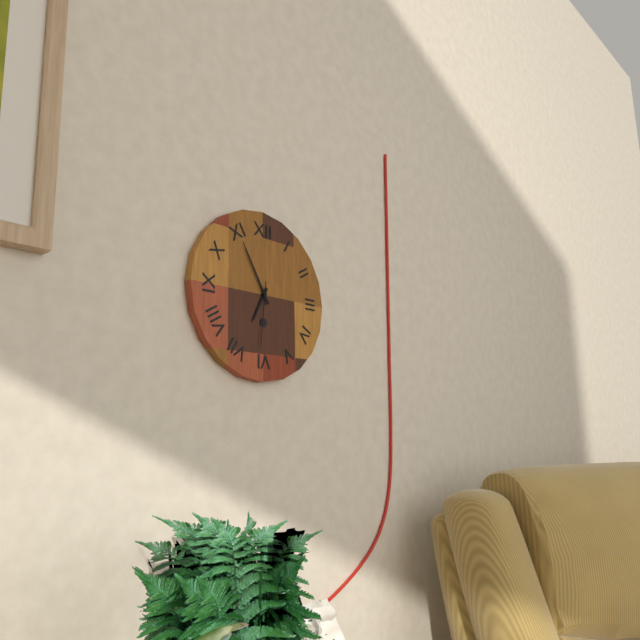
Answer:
6h55m31s
